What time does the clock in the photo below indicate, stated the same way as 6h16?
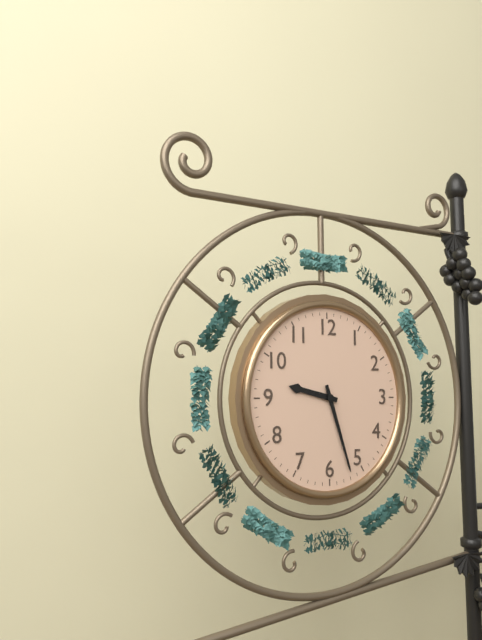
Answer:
9h27
